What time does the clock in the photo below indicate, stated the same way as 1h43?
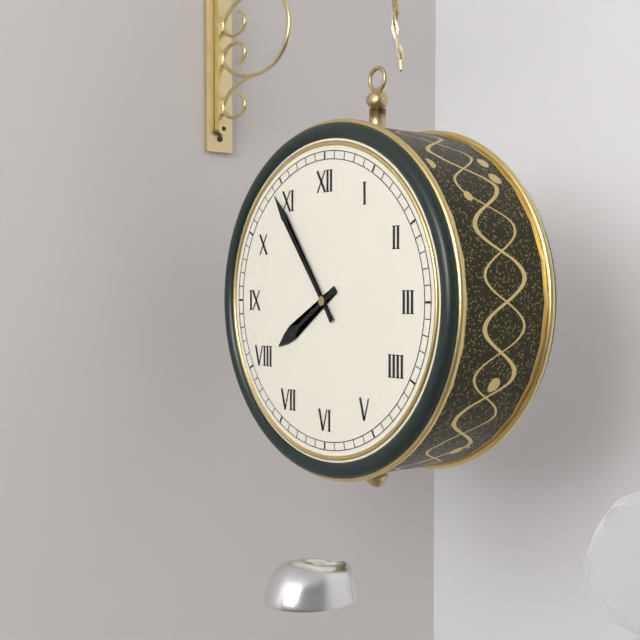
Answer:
7h54
